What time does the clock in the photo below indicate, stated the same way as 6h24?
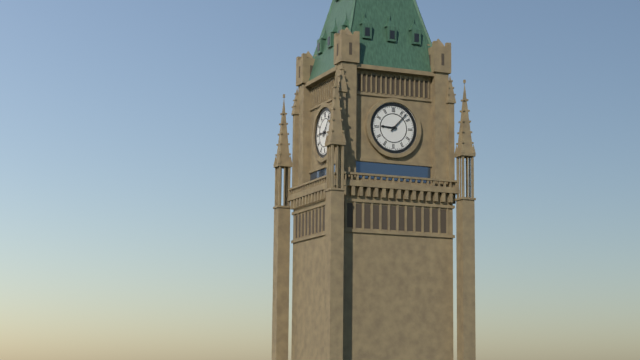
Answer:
9h07
